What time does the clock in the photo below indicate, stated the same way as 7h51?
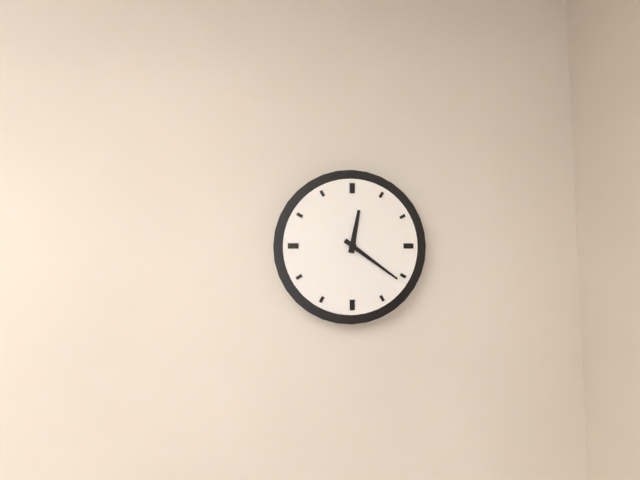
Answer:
12h21
